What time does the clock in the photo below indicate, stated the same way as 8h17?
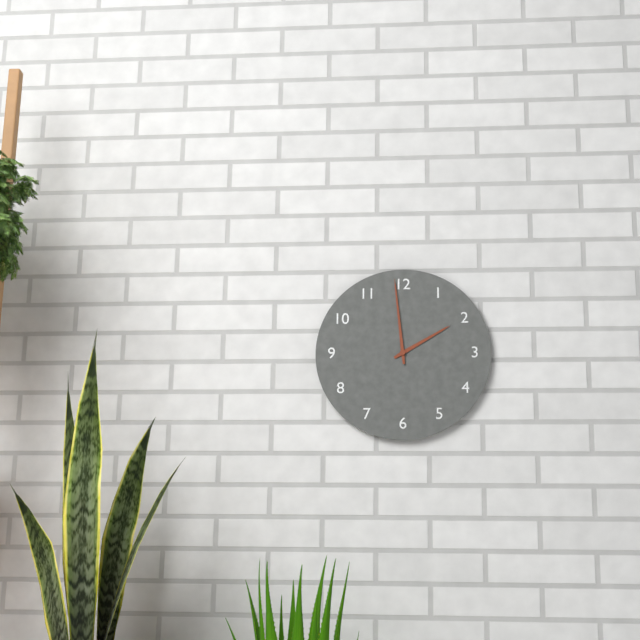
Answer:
1h59
